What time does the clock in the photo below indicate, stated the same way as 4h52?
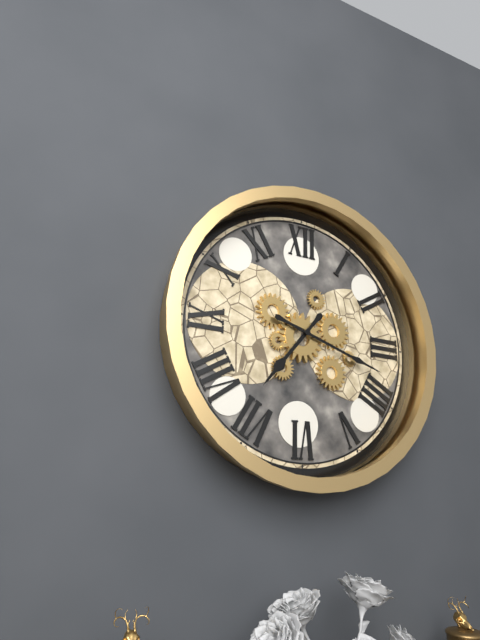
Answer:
7h18
